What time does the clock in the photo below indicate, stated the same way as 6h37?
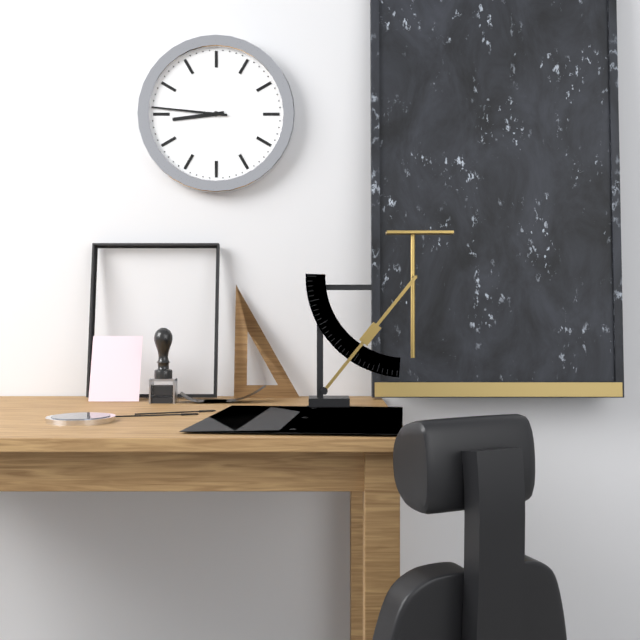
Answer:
8h46
